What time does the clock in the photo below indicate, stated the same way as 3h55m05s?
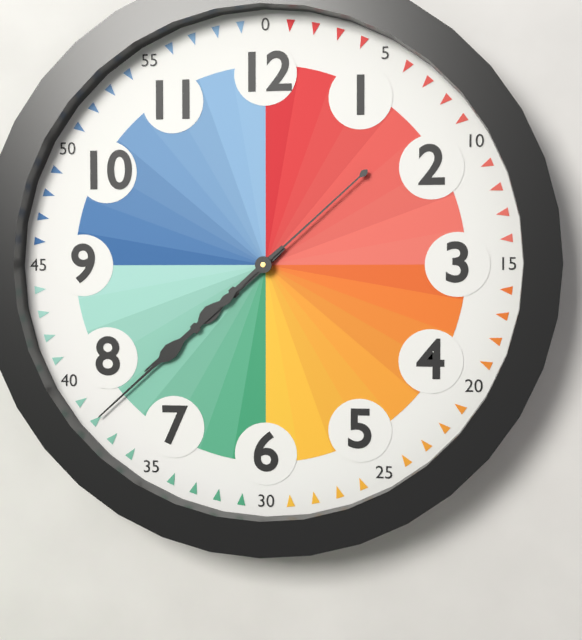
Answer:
7h38m08s
